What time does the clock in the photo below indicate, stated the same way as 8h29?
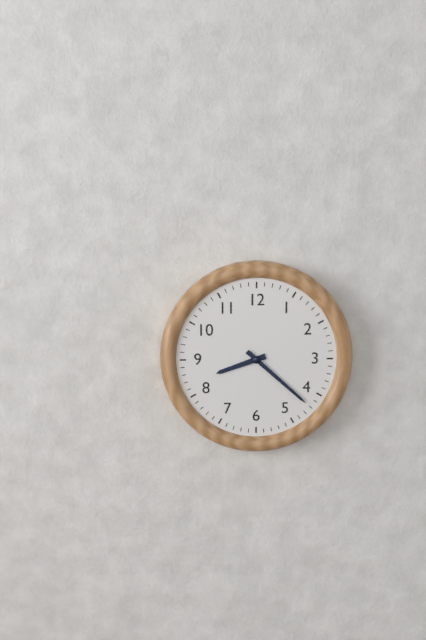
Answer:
8h22
